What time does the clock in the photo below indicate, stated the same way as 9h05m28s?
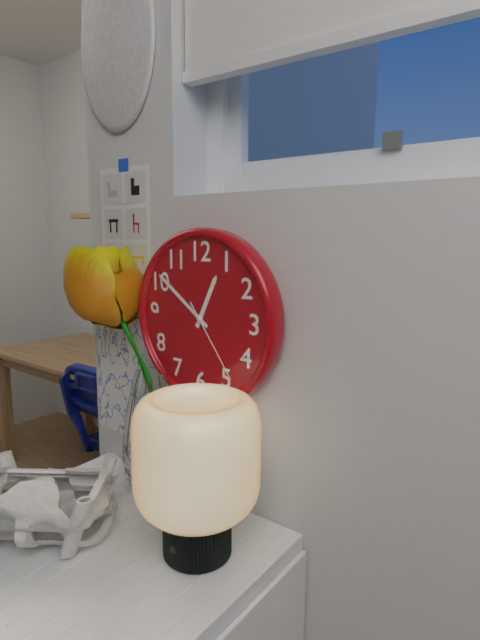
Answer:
12h51m24s
